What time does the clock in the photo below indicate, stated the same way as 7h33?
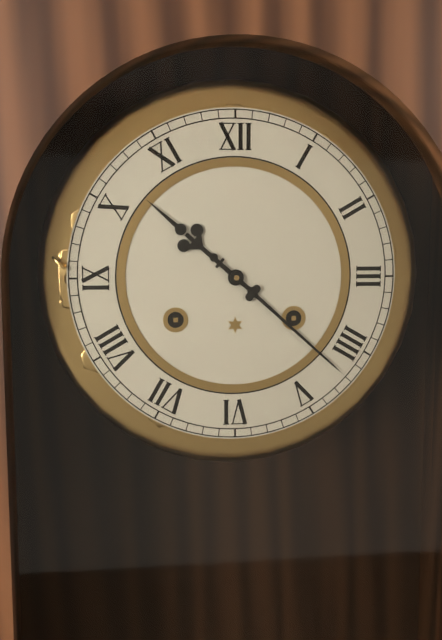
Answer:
10h22
